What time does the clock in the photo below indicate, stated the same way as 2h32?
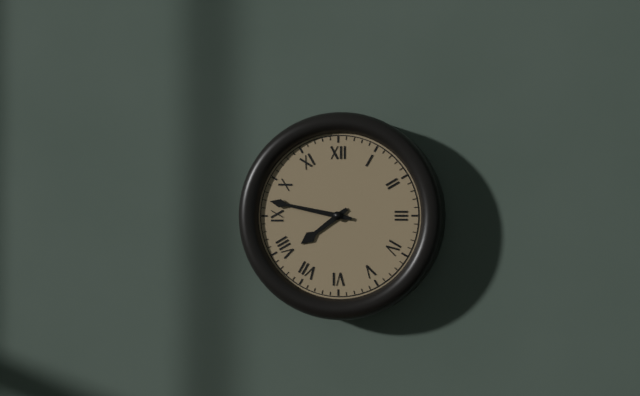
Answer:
7h47
